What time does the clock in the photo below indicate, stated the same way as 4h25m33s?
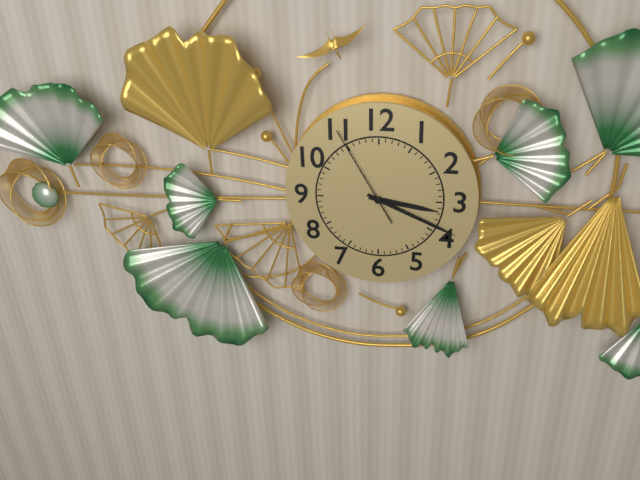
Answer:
3h19m55s
